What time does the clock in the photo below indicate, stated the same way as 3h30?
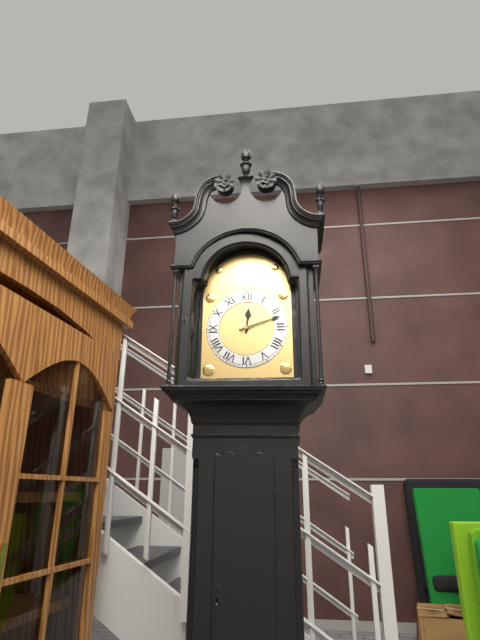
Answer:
12h12
